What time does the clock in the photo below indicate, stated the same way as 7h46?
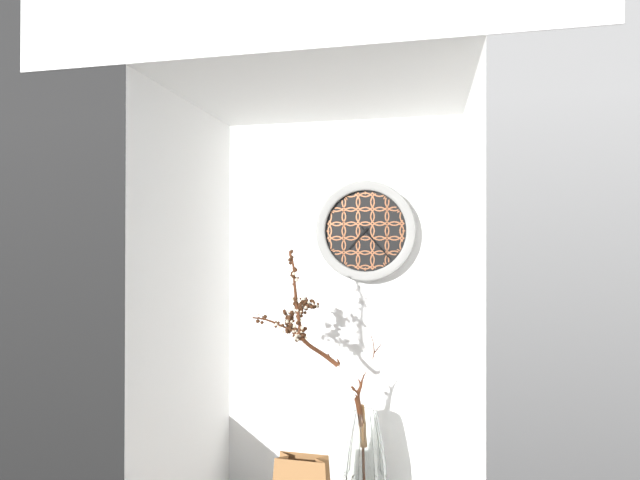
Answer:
7h23
